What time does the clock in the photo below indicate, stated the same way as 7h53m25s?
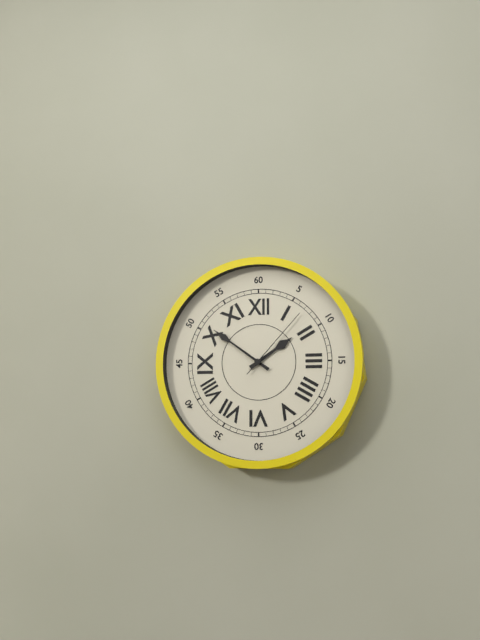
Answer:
1h51m07s
